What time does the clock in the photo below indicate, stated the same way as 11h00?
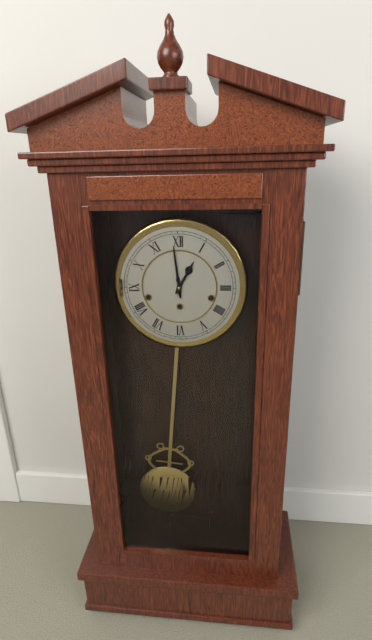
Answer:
12h59
